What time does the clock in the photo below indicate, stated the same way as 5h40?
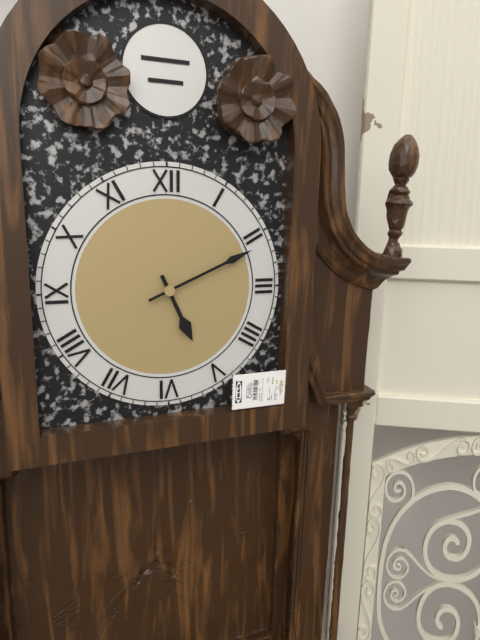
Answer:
5h11
